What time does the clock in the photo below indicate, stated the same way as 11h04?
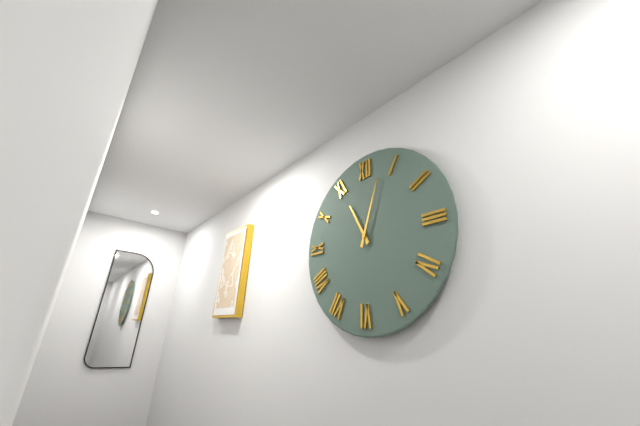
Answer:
11h03
